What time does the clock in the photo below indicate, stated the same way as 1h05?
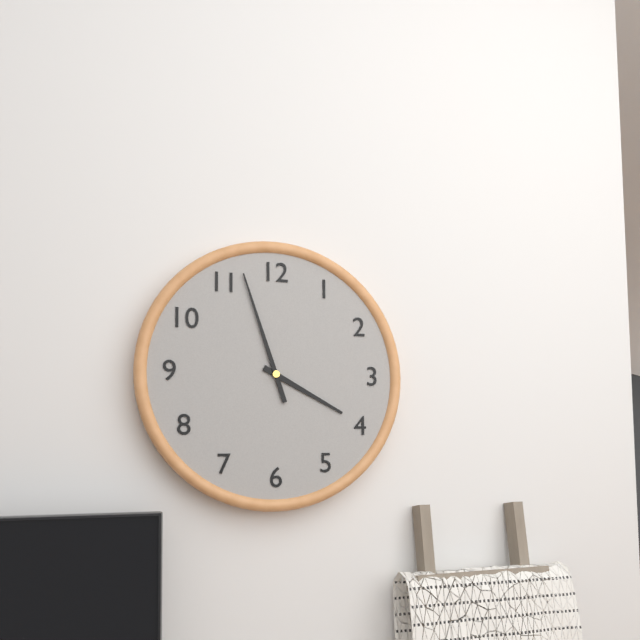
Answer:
3h57
